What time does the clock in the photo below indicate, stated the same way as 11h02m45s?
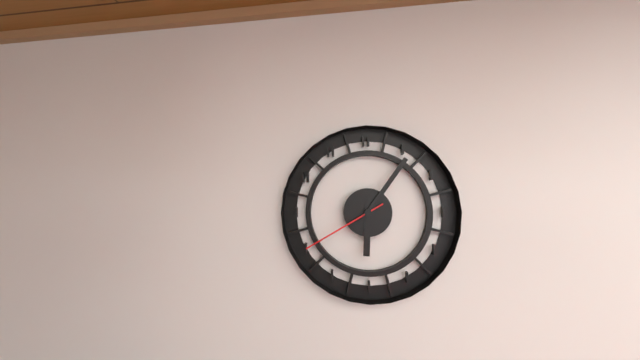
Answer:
6h06m40s
